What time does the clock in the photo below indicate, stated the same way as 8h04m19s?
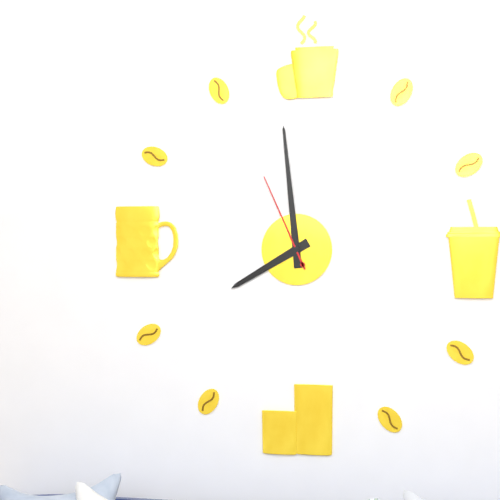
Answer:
7h59m56s
